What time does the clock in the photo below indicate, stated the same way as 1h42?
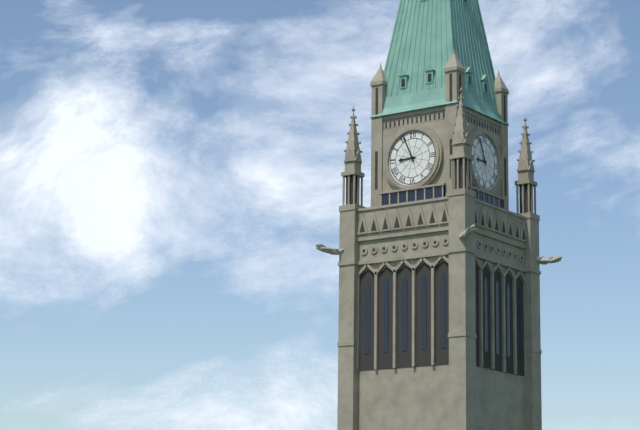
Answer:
8h56
